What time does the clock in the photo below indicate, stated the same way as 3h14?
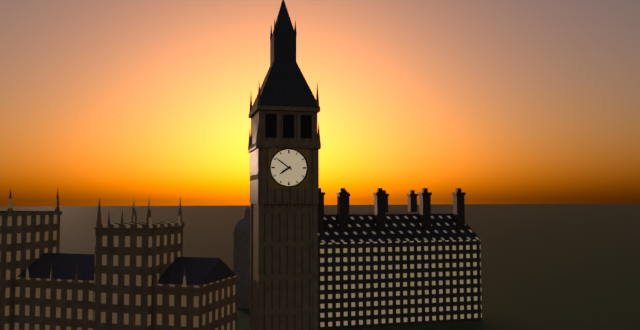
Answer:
7h51
